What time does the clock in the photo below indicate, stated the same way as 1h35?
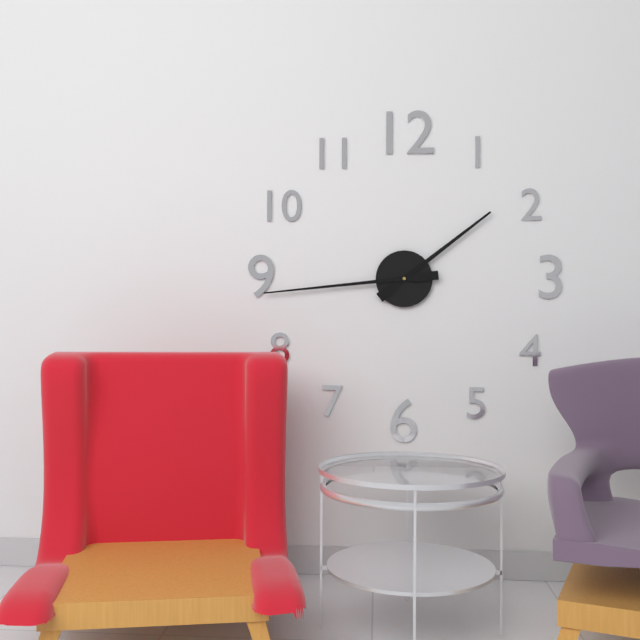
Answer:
1h44
